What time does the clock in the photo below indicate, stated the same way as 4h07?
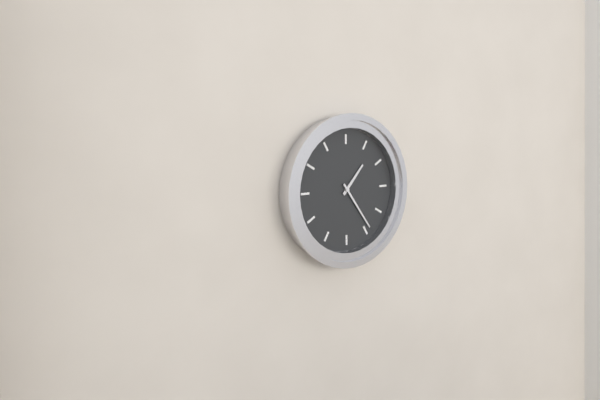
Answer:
1h24
